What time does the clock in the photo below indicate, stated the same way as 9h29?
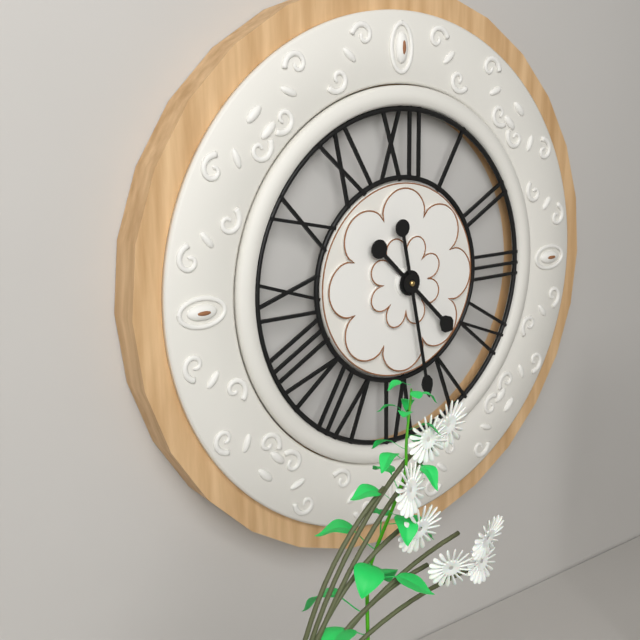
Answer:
4h28
